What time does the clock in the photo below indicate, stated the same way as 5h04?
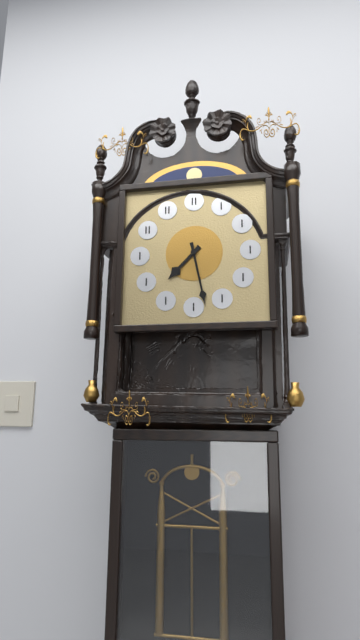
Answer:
7h28
